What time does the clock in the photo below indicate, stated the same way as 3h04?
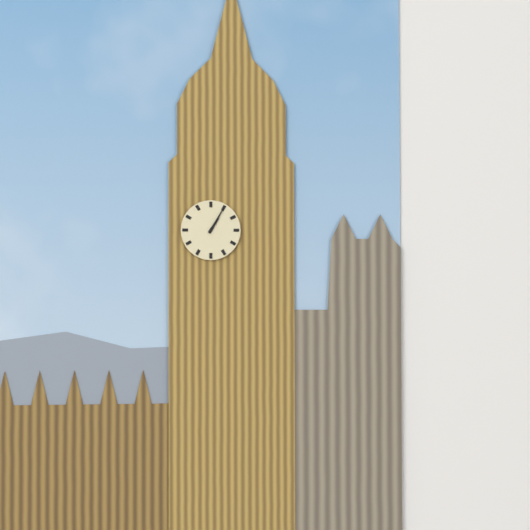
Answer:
1h05
